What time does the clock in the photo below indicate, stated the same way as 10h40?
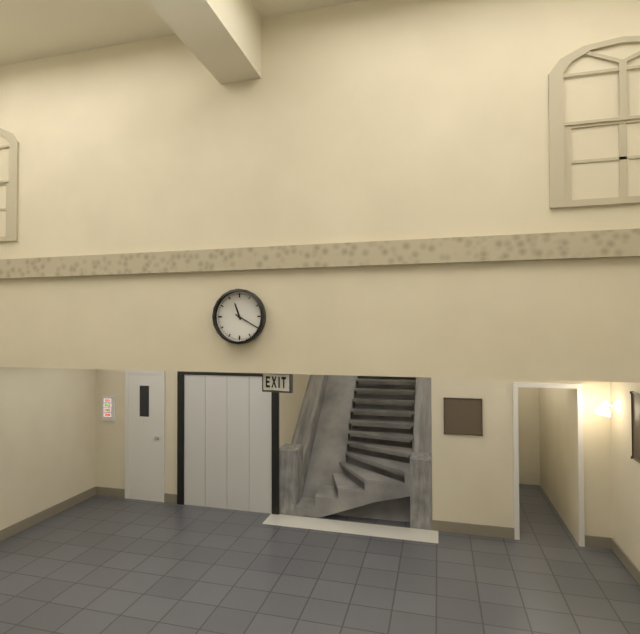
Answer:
11h20
